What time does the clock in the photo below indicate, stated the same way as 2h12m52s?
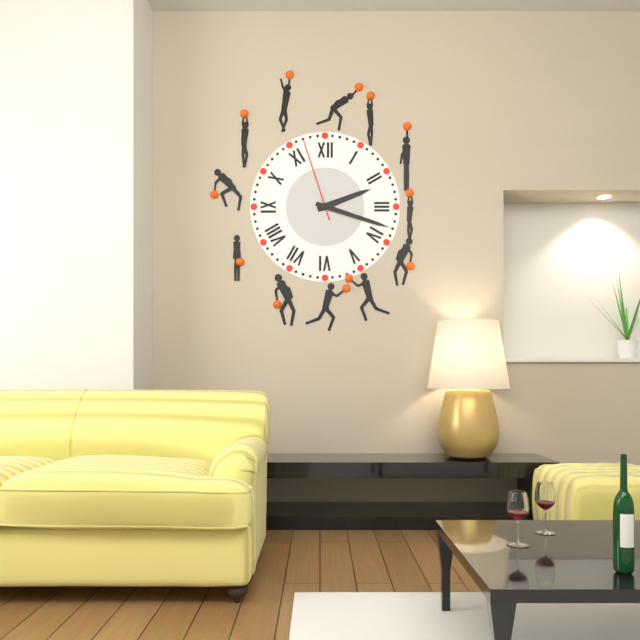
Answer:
2h18m57s
